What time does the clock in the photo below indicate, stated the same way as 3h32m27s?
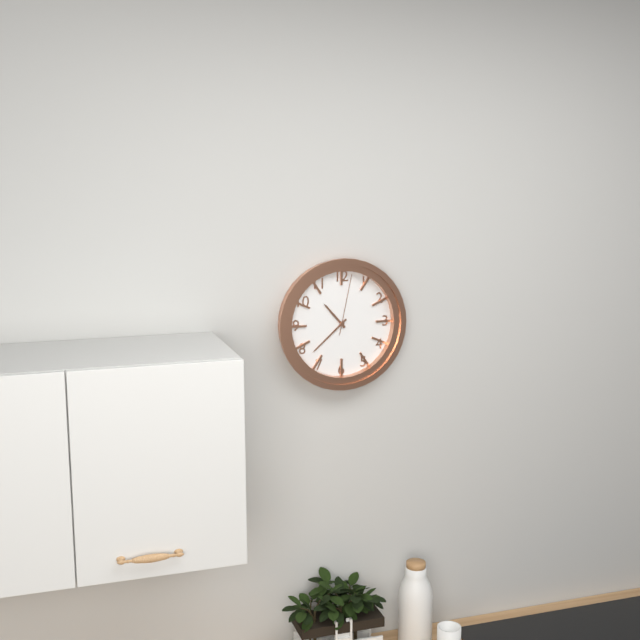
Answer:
10h38m02s
